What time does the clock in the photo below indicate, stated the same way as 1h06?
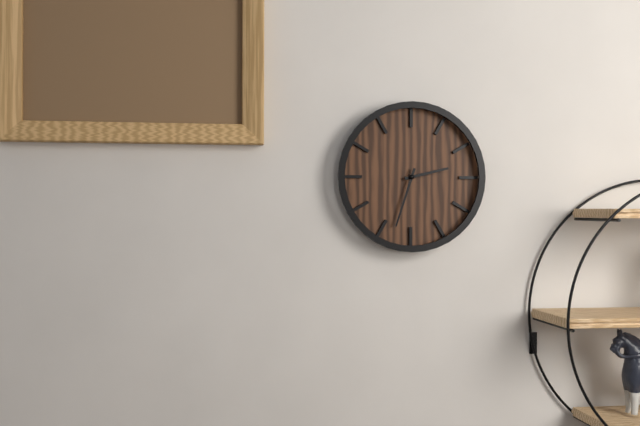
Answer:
2h33
